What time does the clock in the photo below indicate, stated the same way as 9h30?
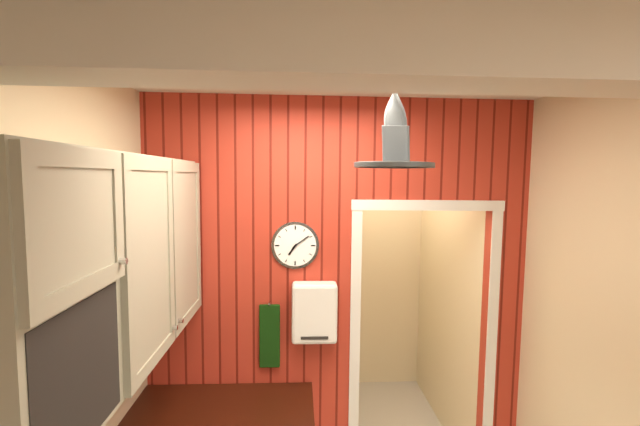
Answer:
7h09
